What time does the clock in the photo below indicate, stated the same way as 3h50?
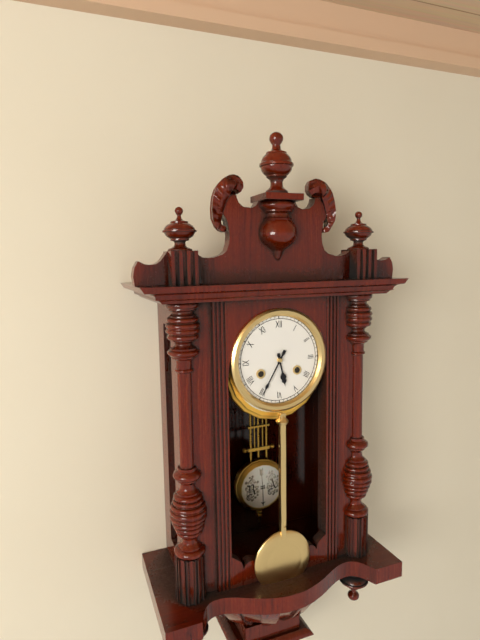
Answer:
5h35
